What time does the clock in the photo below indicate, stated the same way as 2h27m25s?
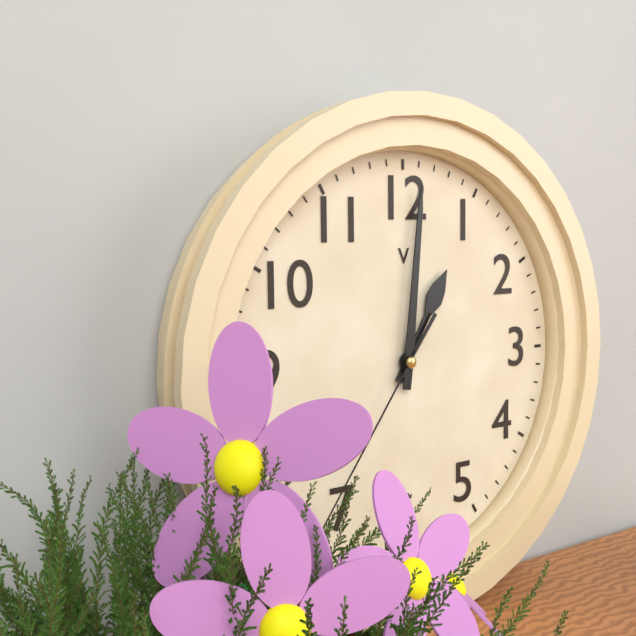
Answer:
1h01m36s
